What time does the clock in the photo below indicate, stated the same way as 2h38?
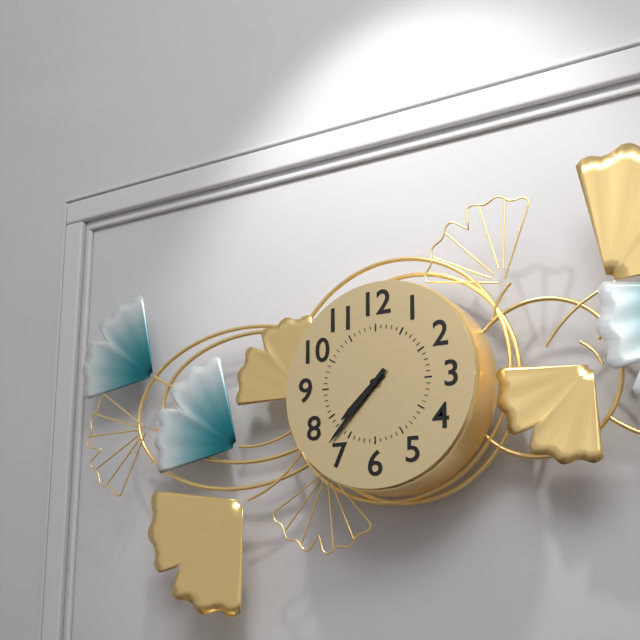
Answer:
7h37
